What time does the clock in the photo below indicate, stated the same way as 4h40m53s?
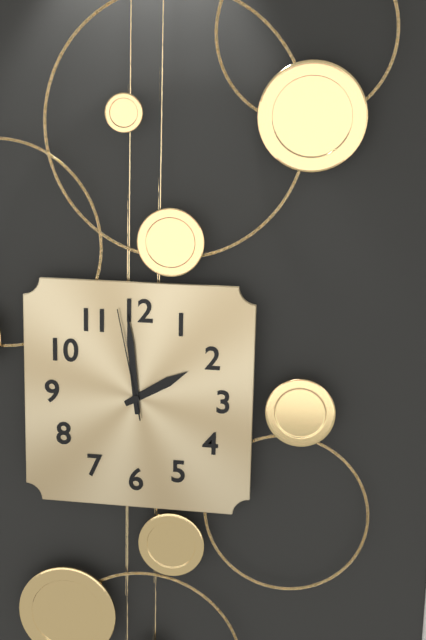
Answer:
1h59m58s
